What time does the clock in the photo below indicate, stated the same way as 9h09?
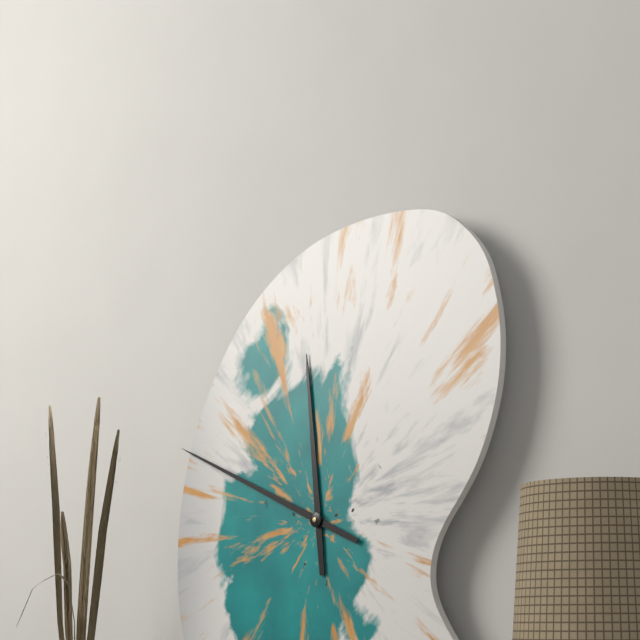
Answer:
11h49
